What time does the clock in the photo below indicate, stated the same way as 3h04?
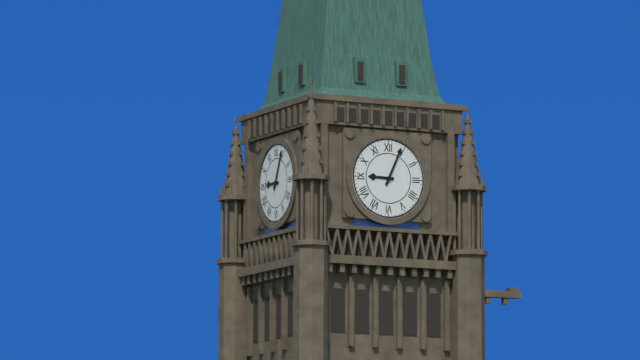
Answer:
9h04
